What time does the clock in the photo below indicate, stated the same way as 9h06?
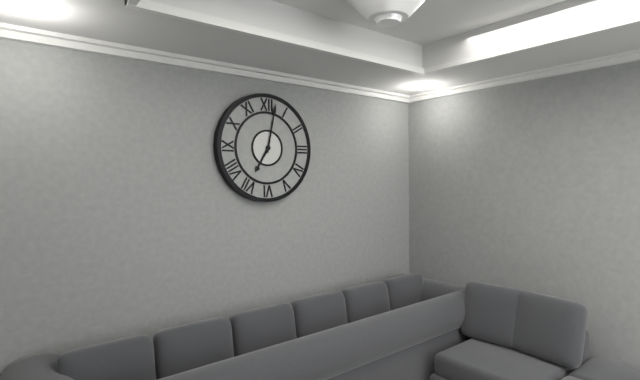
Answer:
7h02
